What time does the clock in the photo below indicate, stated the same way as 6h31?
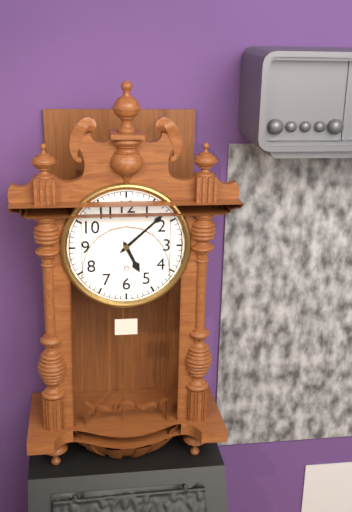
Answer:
5h08
